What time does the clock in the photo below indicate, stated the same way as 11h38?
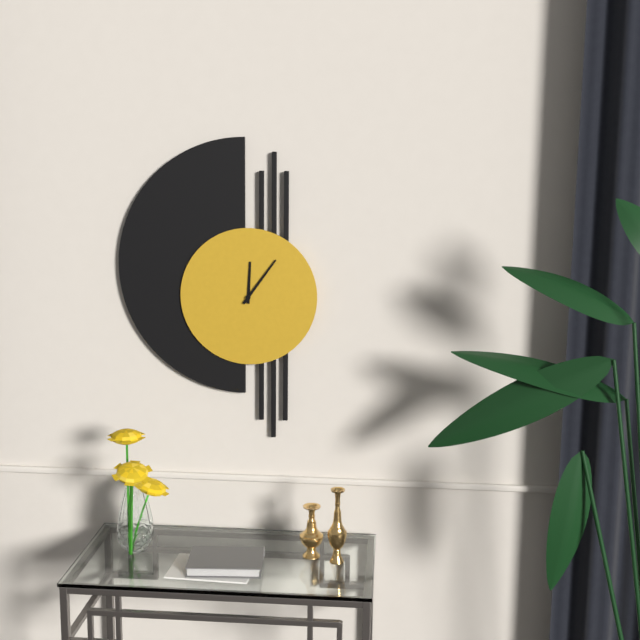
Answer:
12h06
